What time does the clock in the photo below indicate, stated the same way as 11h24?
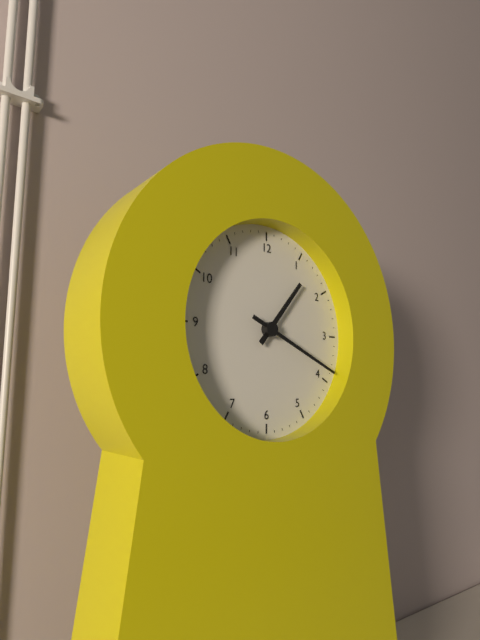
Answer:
1h19
